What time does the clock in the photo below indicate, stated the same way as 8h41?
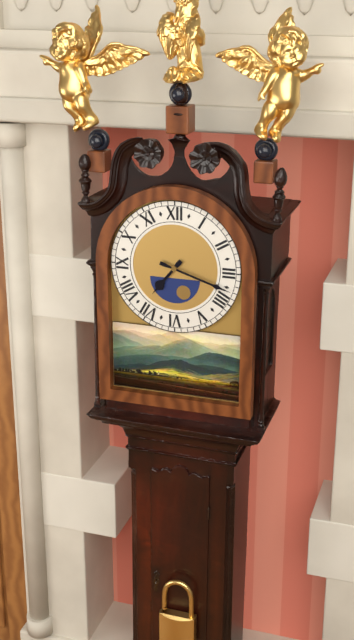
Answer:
7h18
